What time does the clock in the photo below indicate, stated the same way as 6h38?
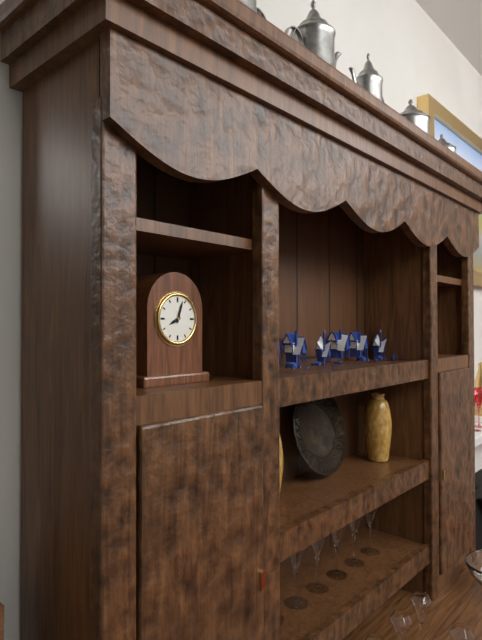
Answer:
8h03
